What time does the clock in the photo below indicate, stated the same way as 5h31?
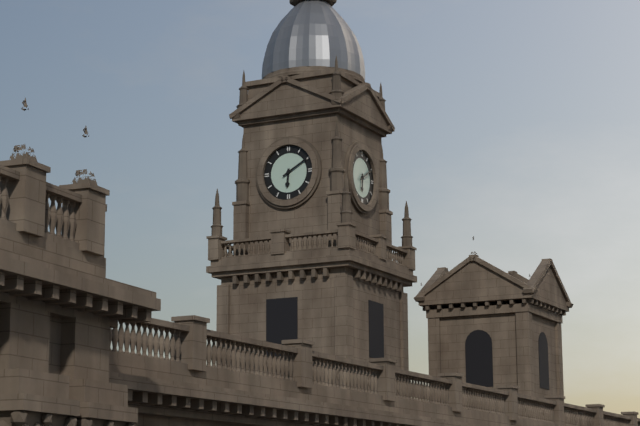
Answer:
6h10
